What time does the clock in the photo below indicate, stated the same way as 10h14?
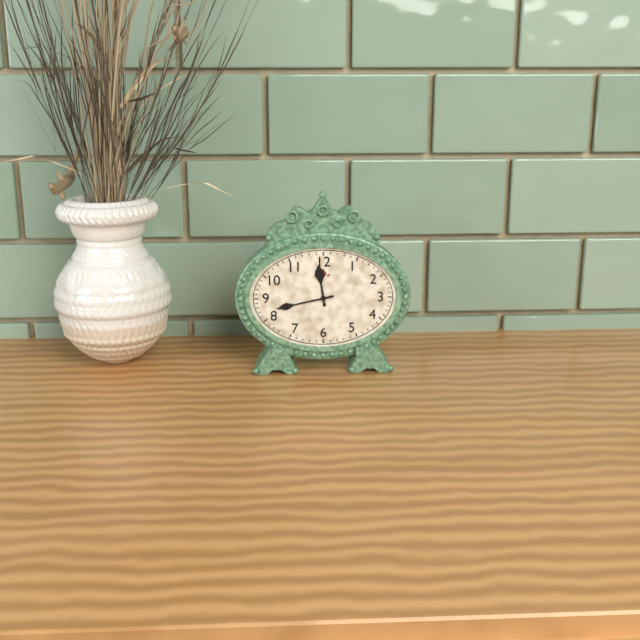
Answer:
11h43
